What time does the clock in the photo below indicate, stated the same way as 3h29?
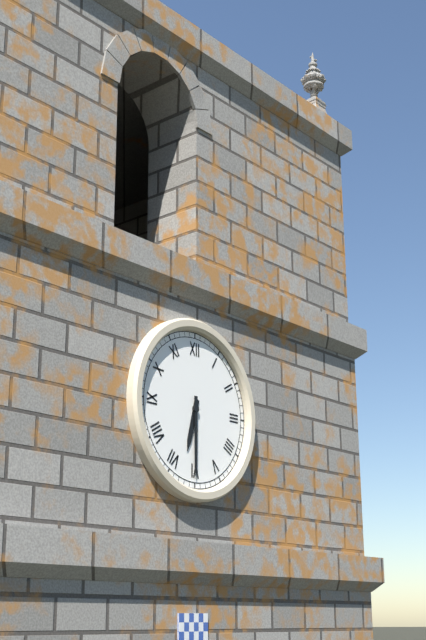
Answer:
6h30
